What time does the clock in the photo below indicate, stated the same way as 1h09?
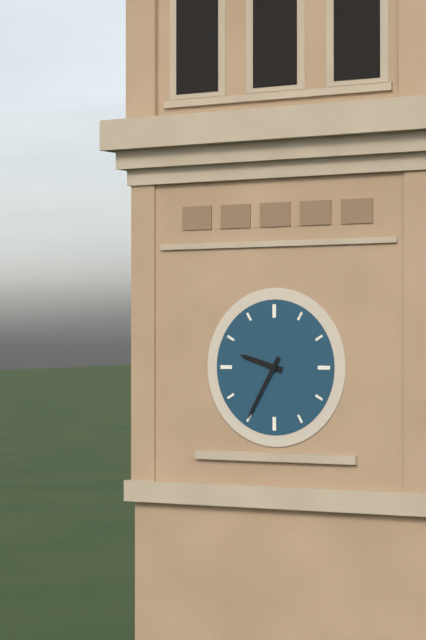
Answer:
9h35
